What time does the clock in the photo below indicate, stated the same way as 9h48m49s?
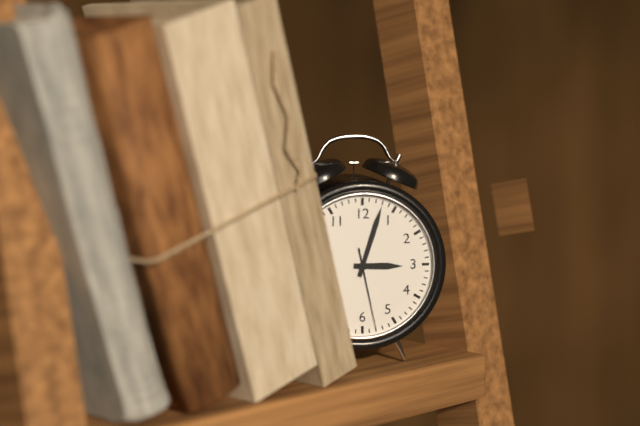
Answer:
3h03m28s
